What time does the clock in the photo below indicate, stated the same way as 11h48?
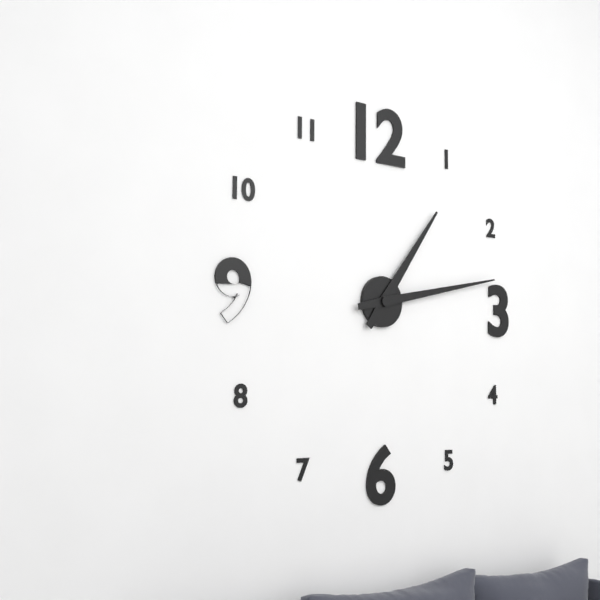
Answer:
1h13
